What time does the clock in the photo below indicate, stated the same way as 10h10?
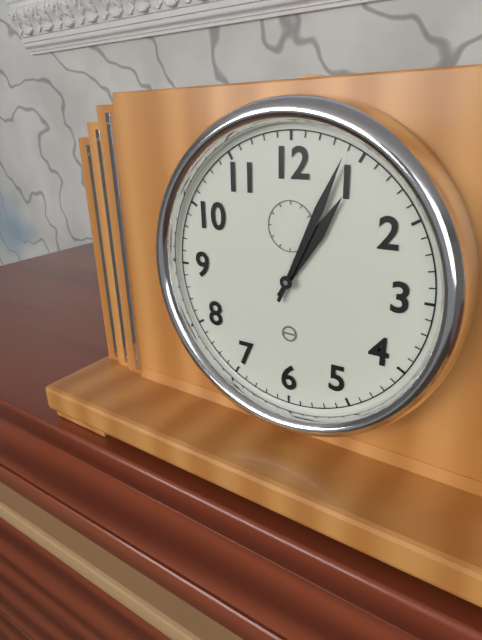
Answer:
1h04
